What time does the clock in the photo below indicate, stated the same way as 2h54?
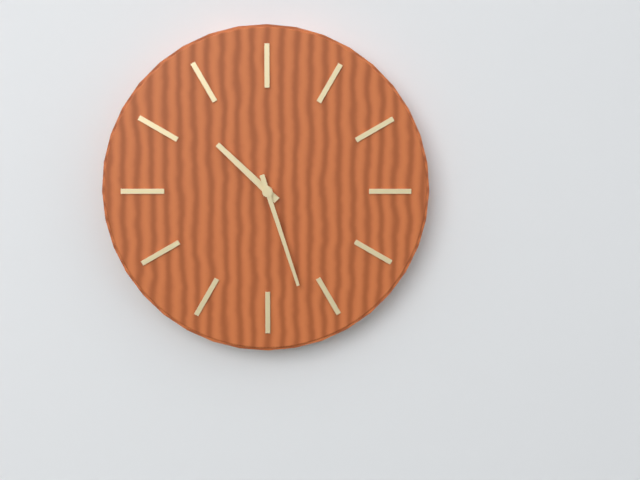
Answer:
10h27
